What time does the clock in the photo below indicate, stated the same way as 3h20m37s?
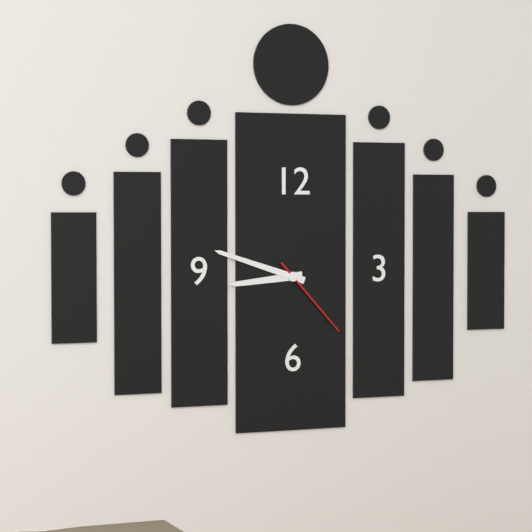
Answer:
8h48m23s
